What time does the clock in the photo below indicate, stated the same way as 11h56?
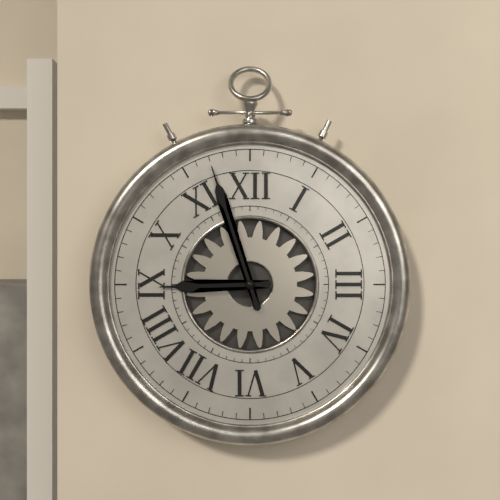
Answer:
8h57
